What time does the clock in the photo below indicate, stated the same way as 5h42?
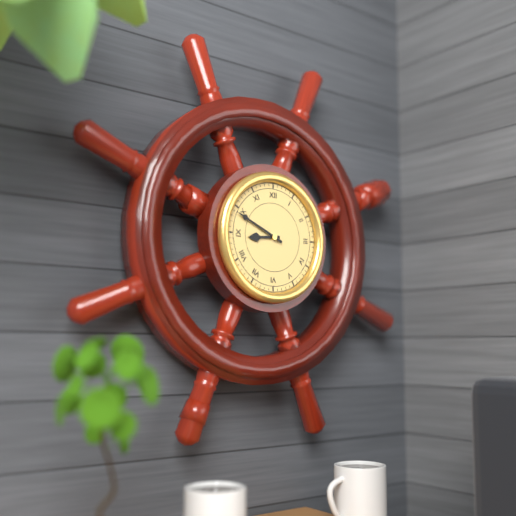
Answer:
8h49
